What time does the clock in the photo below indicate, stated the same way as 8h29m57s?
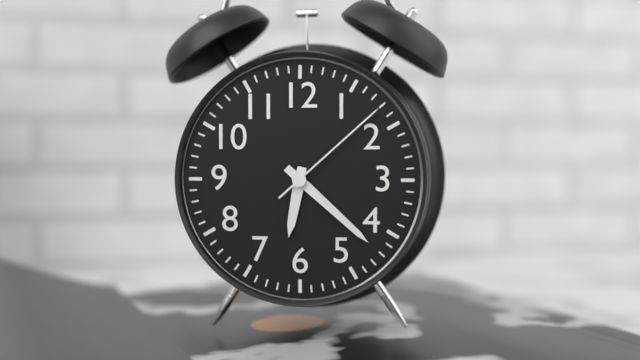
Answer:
6h22m08s
